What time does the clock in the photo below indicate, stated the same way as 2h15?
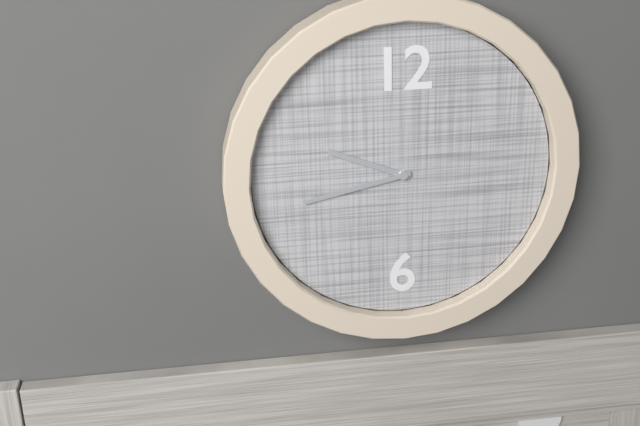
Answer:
9h43
